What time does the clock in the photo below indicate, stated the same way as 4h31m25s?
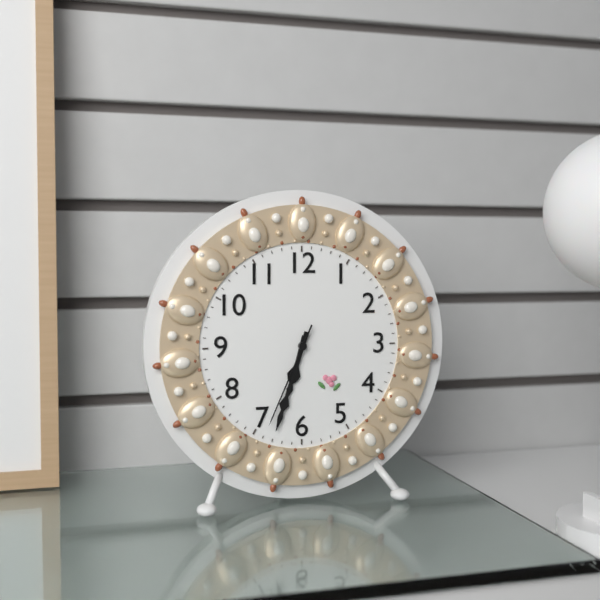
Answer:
6h33m34s
